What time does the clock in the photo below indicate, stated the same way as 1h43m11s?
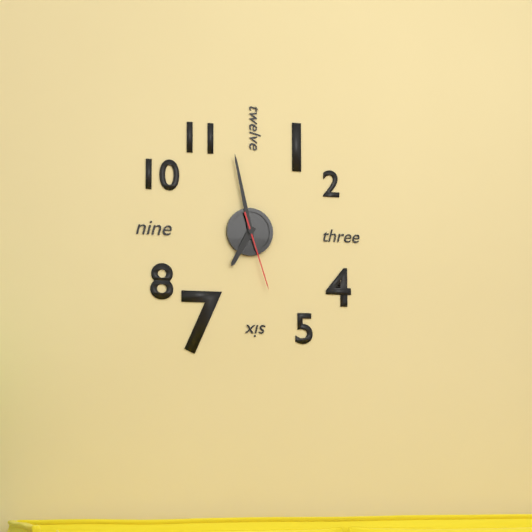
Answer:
6h58m27s
